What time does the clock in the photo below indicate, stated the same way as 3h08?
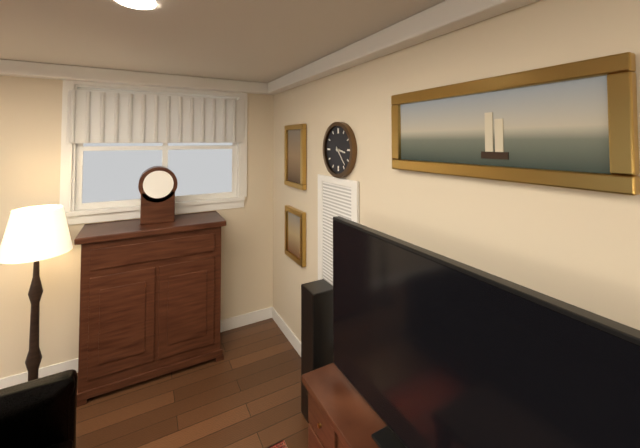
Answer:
3h23
